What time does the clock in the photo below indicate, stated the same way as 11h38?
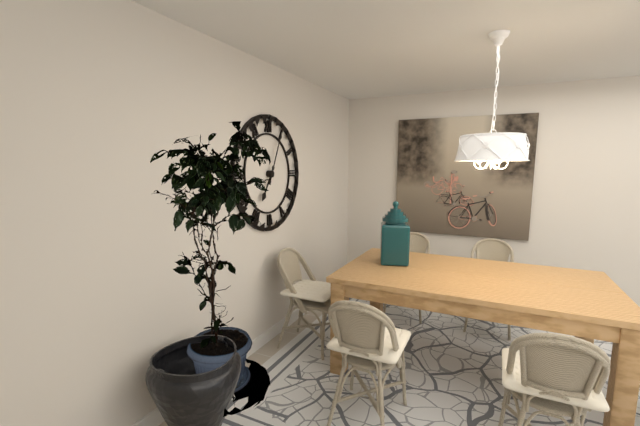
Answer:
7h04
